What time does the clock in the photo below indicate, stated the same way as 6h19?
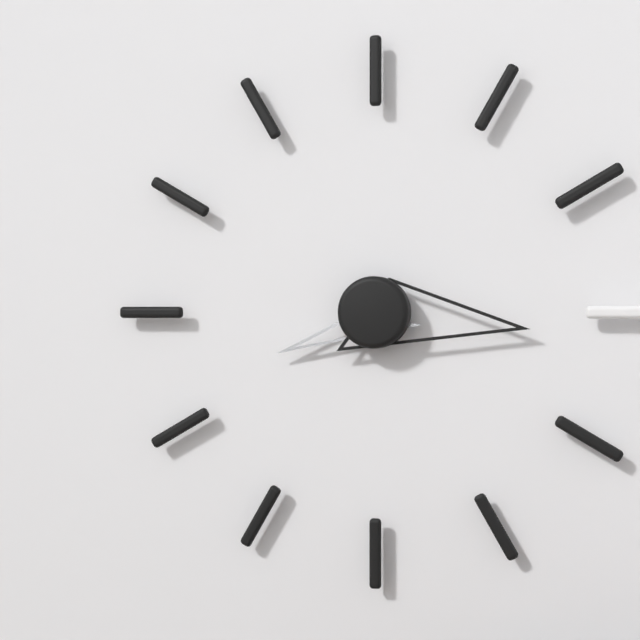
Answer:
8h16
